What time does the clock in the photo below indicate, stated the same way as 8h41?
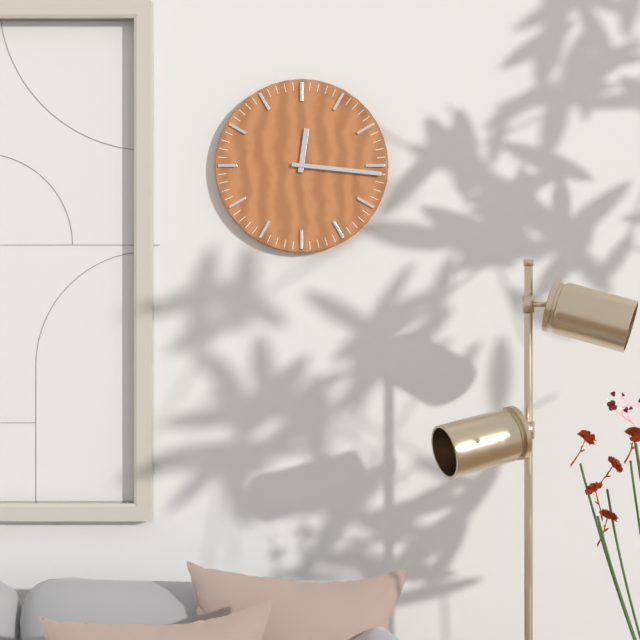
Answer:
12h16
